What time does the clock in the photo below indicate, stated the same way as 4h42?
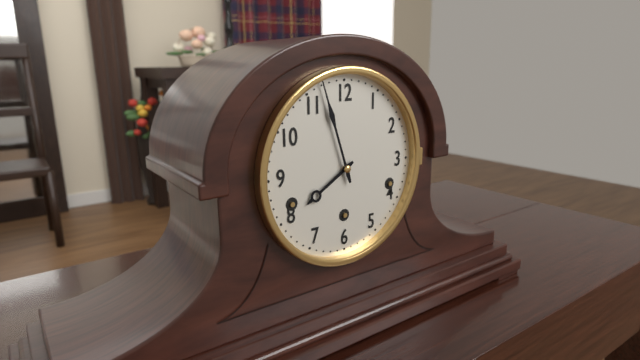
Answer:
7h57
